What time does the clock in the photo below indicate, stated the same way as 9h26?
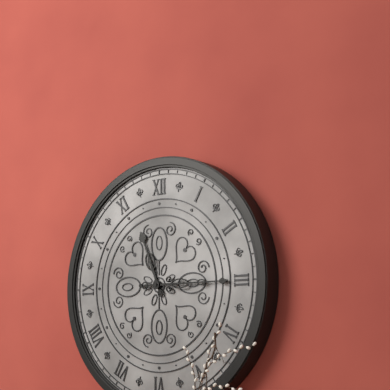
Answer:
11h15
